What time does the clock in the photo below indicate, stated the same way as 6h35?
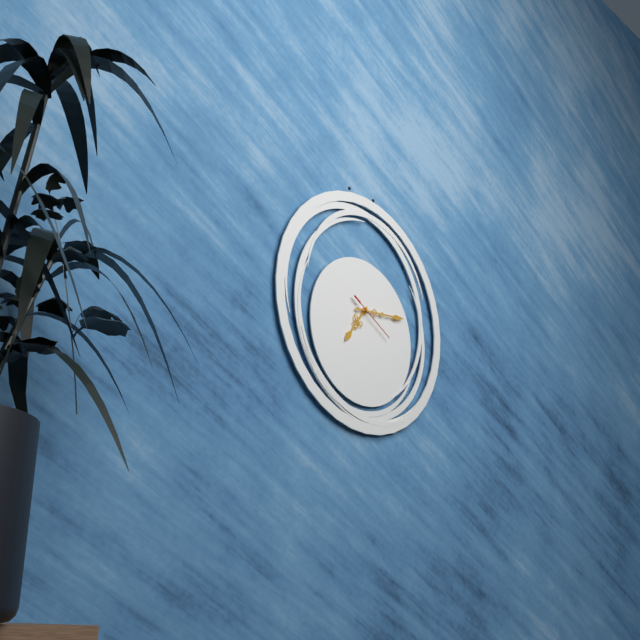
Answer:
7h14
